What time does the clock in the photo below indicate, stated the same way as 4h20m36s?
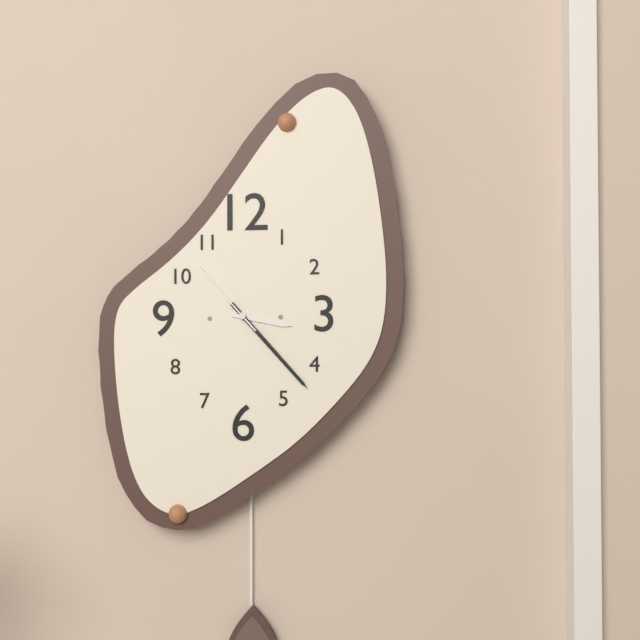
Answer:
3h23m53s
